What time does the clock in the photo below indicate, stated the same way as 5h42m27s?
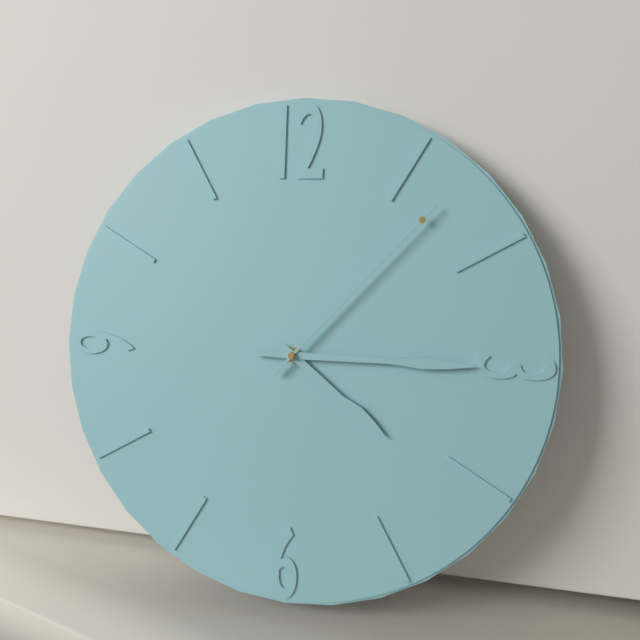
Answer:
4h15m07s
